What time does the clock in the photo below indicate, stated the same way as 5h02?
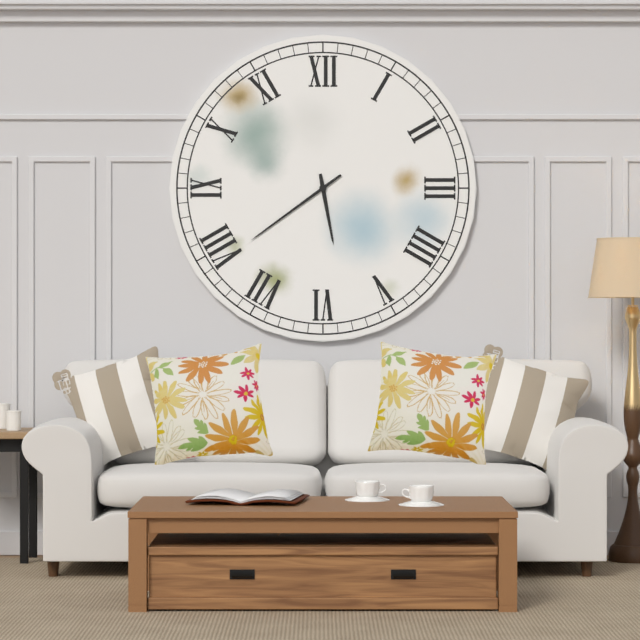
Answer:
5h39
